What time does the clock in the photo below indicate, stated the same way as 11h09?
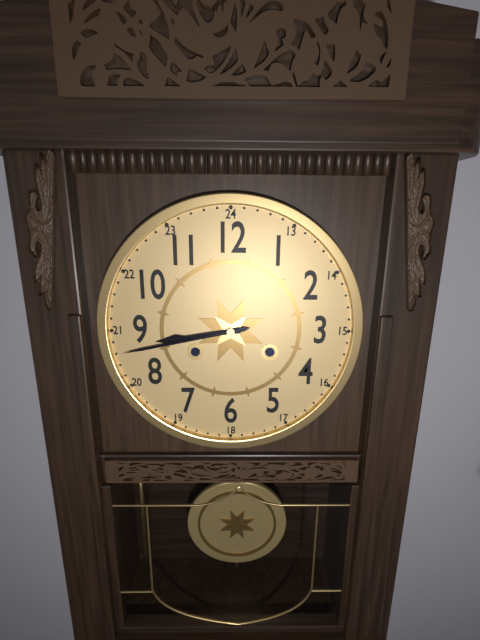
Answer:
8h43
